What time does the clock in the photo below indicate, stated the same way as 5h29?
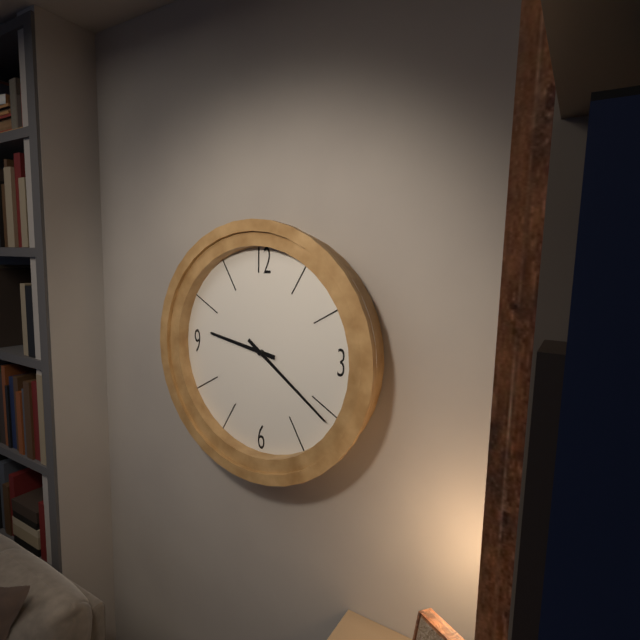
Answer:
9h21
